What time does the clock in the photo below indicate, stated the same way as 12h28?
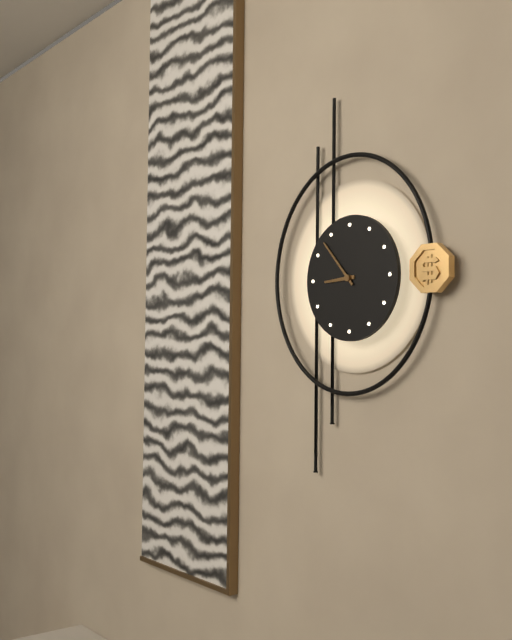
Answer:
8h53
